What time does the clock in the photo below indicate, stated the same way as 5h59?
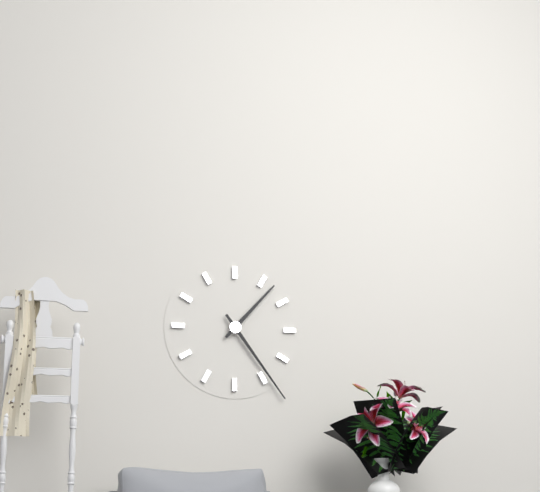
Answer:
1h24
